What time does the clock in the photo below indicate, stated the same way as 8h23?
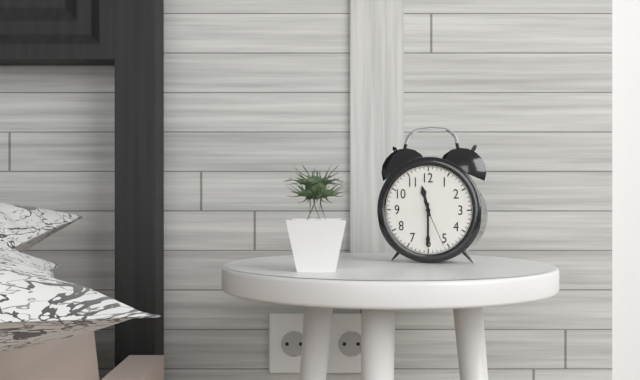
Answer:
11h30
